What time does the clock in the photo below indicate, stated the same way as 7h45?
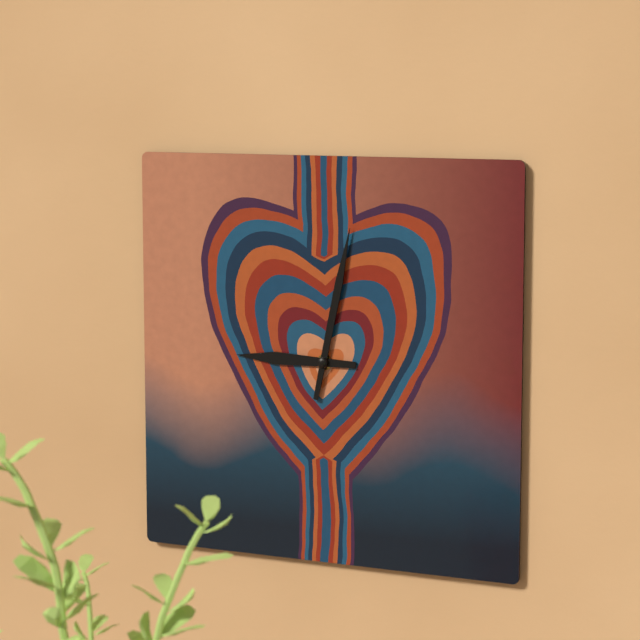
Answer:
9h02
